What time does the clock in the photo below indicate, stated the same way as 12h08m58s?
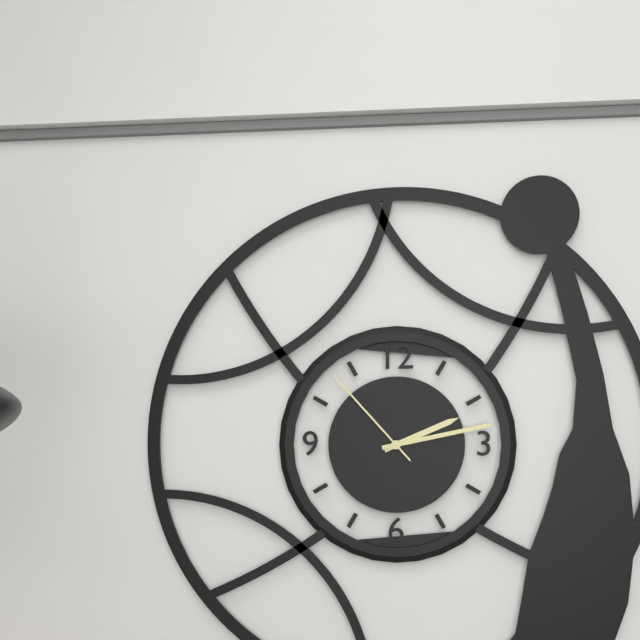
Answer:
2h13m53s
